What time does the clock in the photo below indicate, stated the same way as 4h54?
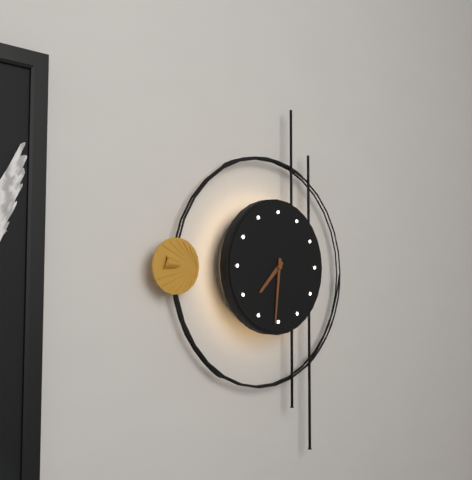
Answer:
7h31
